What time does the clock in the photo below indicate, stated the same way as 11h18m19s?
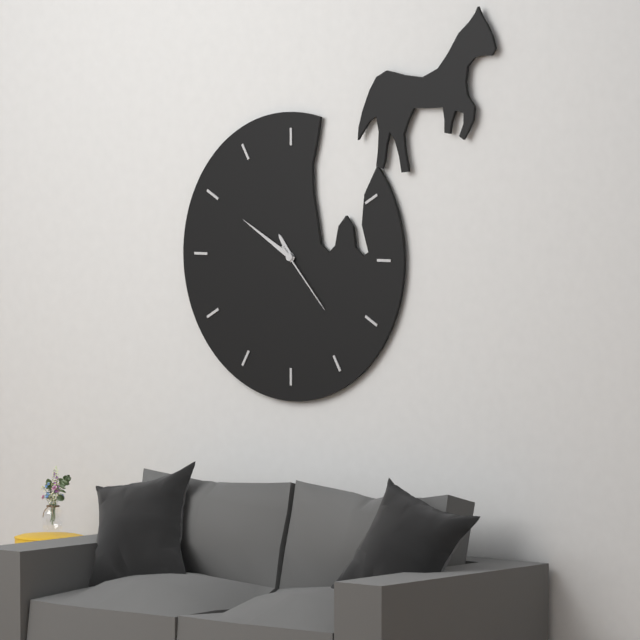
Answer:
10h50m23s
